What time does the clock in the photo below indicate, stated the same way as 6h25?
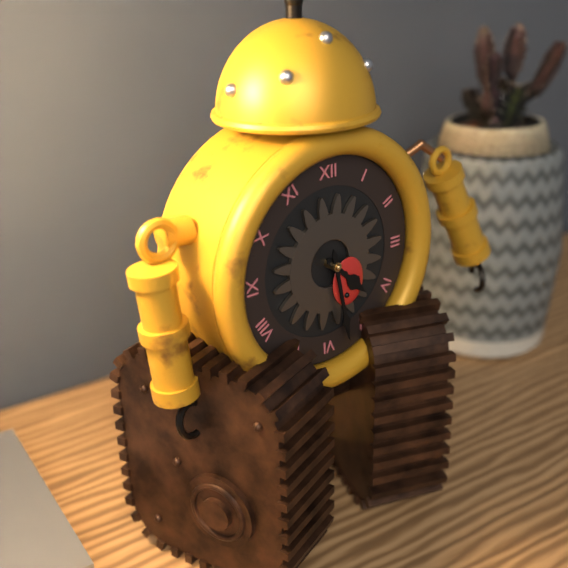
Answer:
4h28
